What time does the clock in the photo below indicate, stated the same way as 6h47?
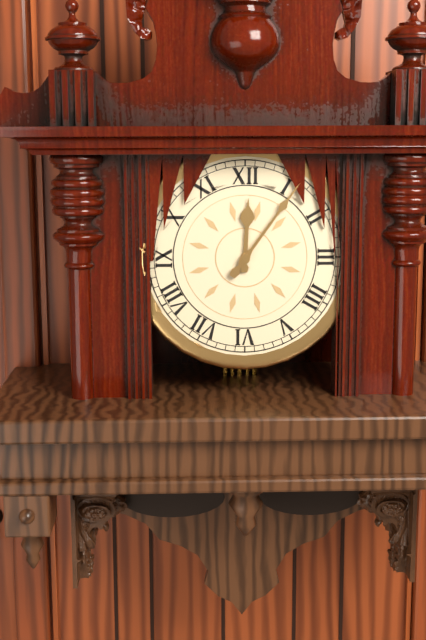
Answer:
12h06
